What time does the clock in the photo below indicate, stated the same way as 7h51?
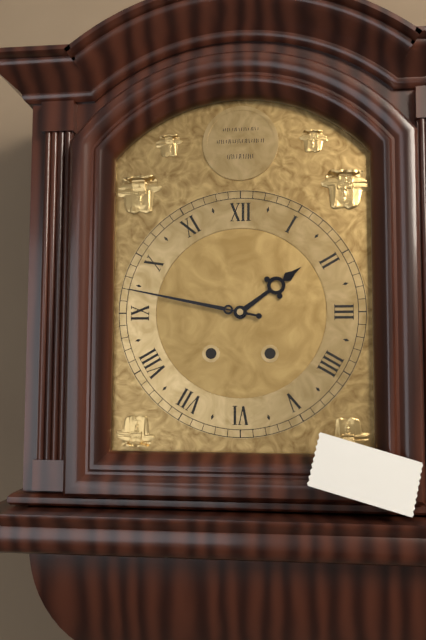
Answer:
1h47
